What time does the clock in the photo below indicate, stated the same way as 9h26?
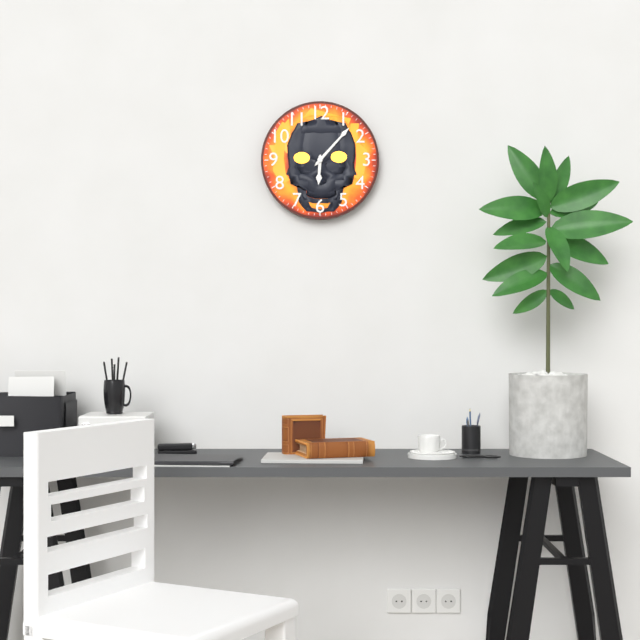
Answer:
6h07
